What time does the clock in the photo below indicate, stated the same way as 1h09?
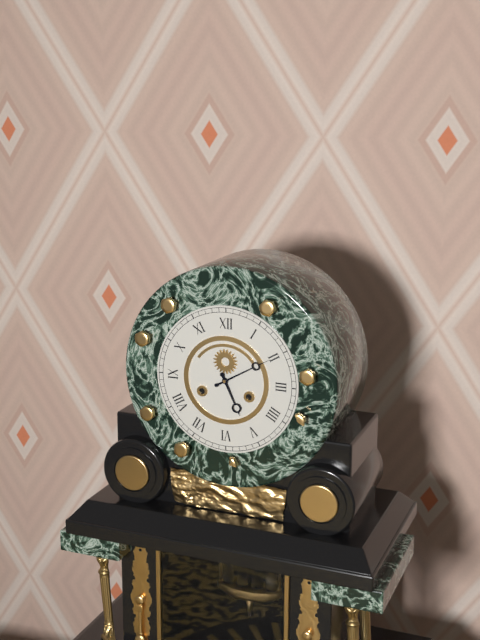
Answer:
5h10
